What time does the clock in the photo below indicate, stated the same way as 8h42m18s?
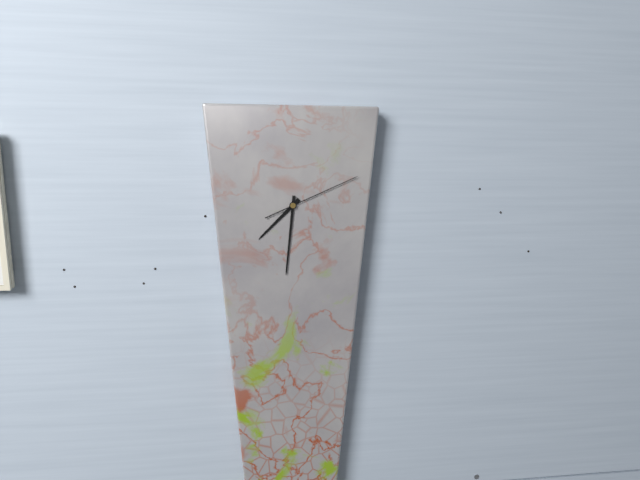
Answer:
7h31m11s
